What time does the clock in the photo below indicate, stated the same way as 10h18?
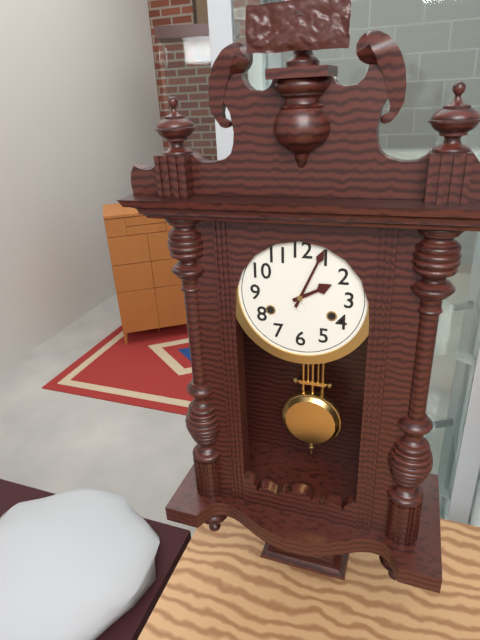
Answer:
2h04
